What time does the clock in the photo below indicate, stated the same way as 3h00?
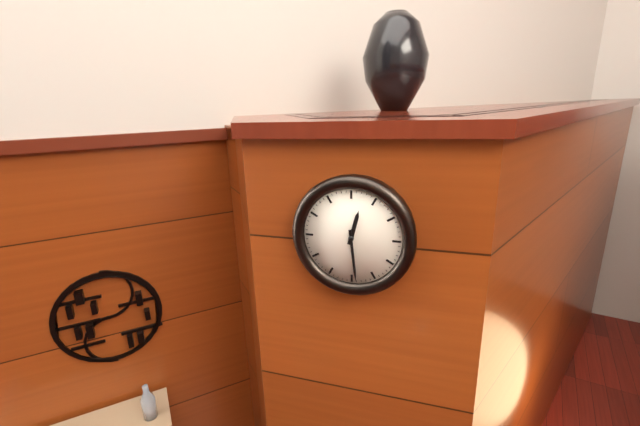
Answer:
12h29
